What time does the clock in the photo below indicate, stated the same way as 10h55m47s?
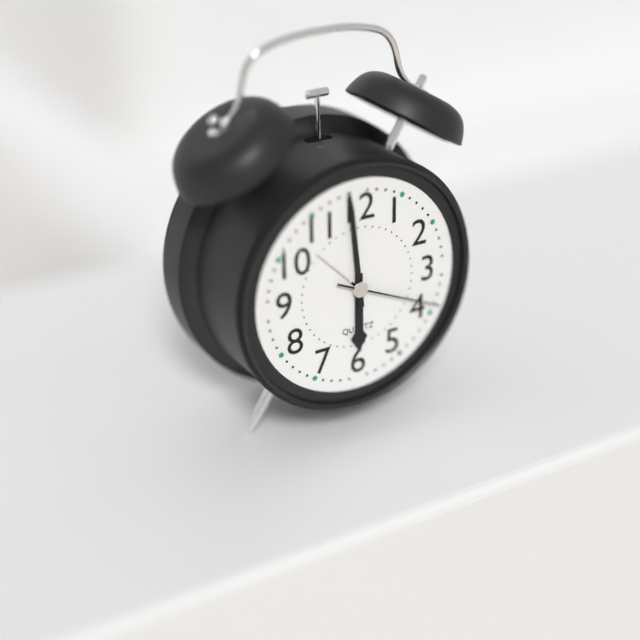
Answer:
5h59m19s
